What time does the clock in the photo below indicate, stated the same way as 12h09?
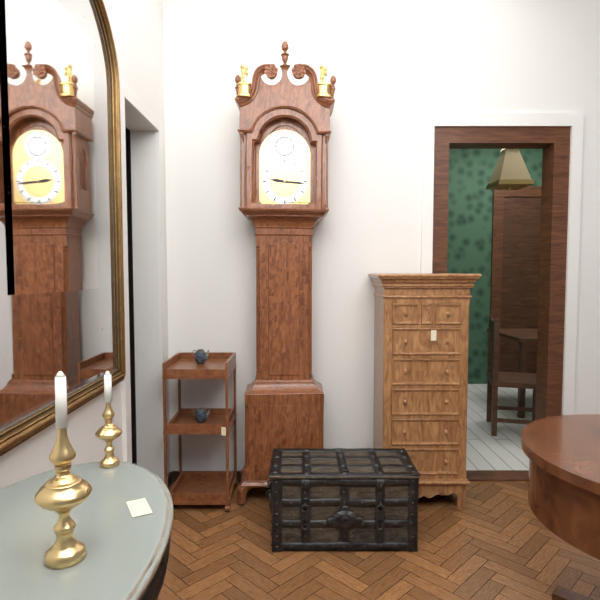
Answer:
9h16
